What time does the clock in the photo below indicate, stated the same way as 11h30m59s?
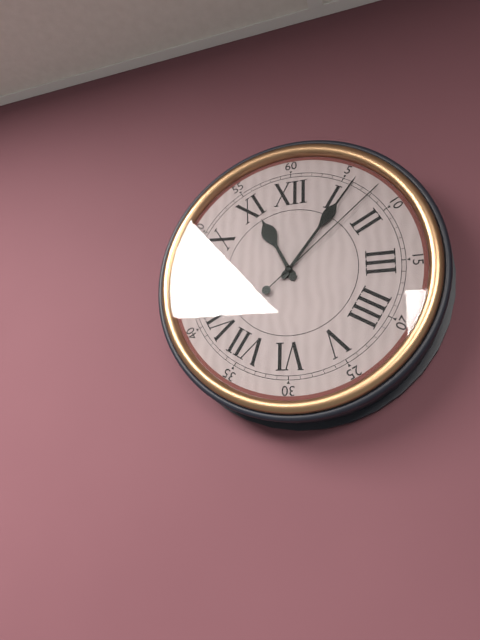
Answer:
11h06m08s
